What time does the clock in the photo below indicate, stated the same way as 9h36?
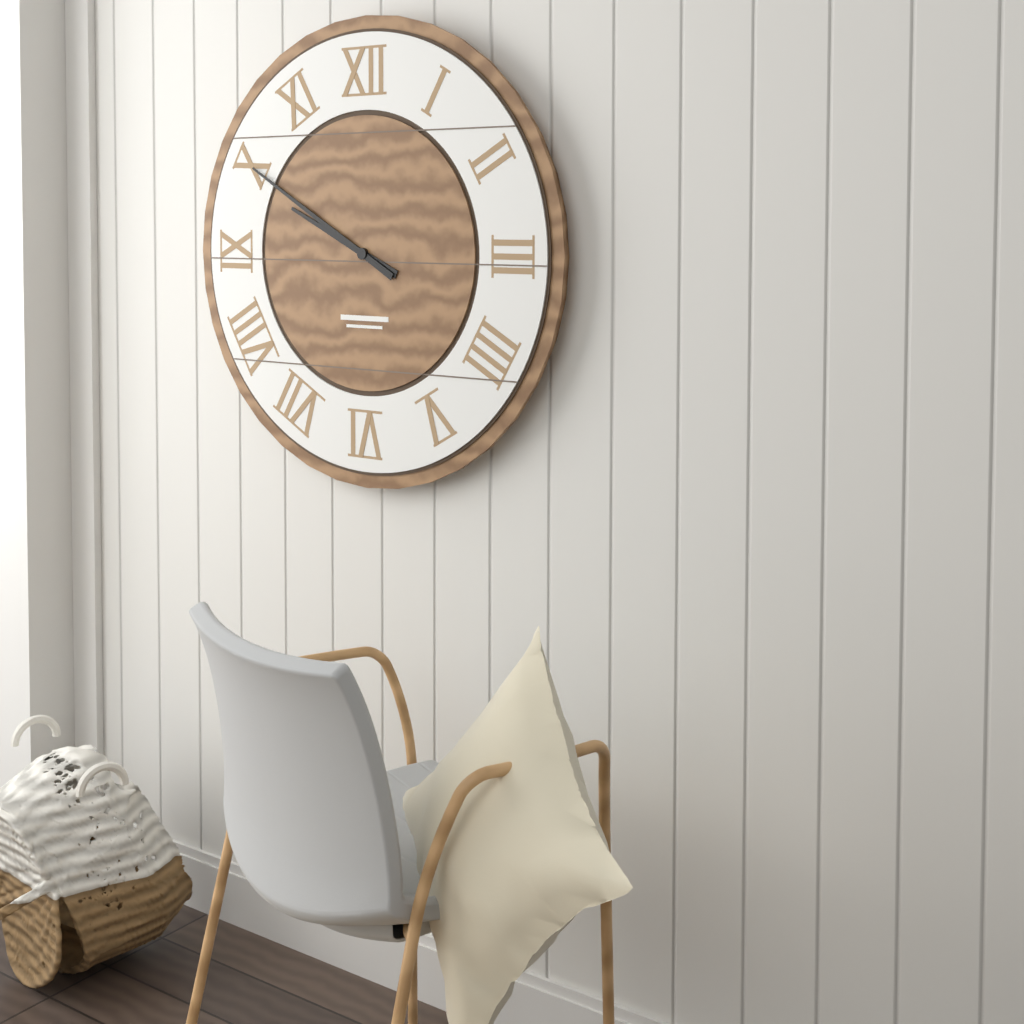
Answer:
9h50
